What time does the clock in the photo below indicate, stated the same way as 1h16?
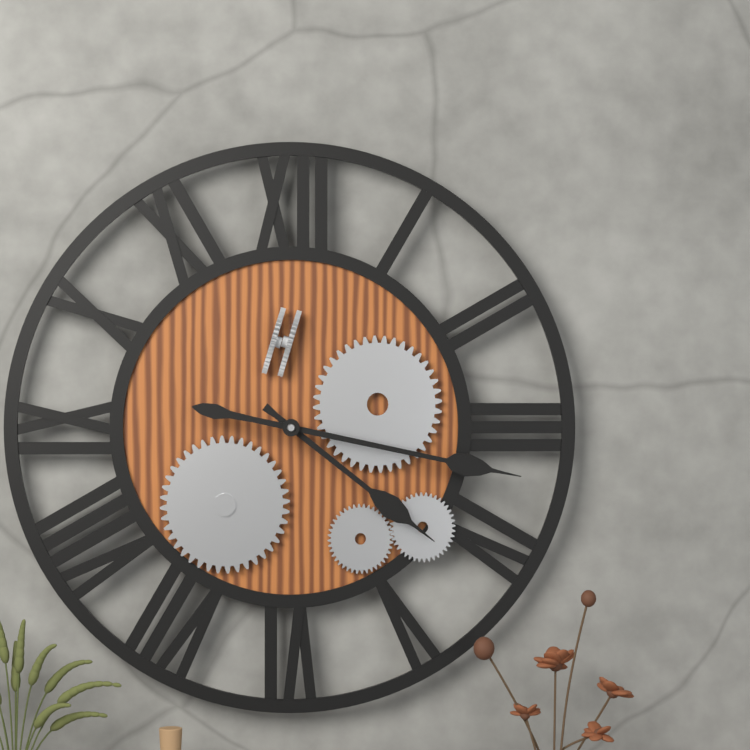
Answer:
4h17
